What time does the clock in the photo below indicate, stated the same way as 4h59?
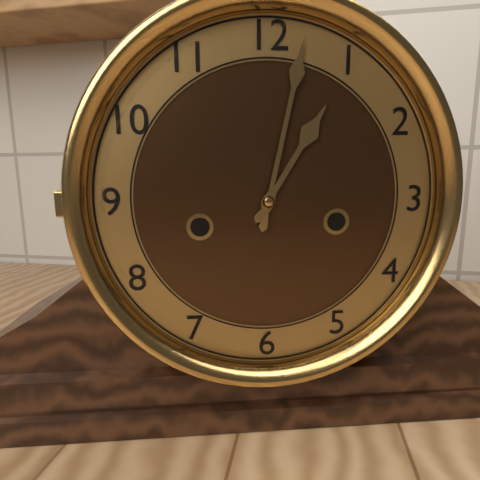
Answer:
1h02
